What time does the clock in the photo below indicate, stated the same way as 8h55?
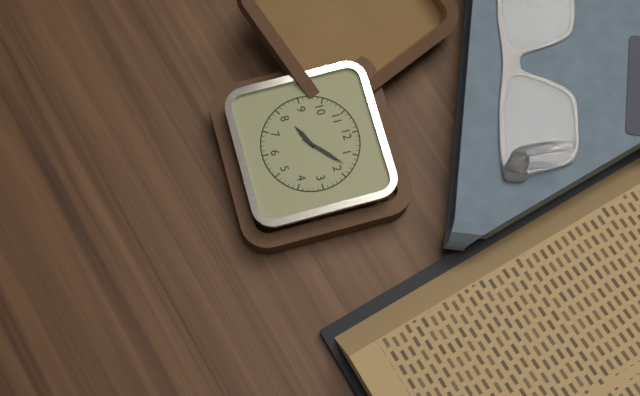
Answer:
8h08
